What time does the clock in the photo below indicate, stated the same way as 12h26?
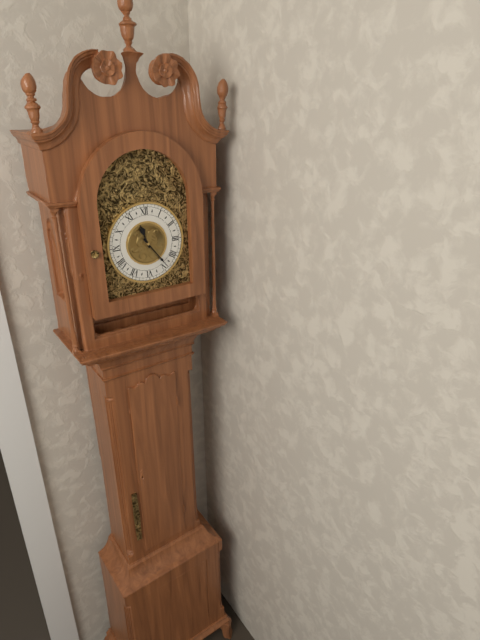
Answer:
11h24
